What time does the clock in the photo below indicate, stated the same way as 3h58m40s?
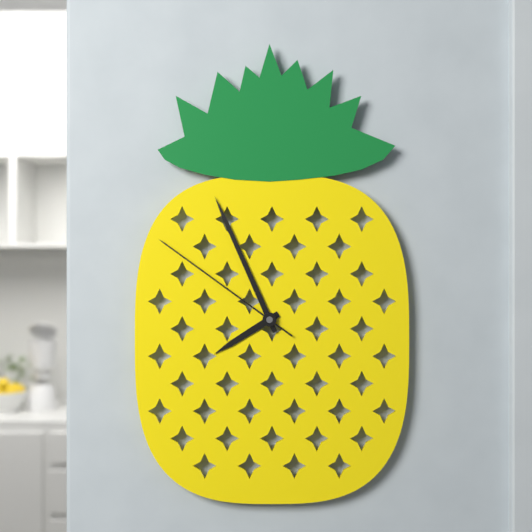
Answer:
7h56m51s
